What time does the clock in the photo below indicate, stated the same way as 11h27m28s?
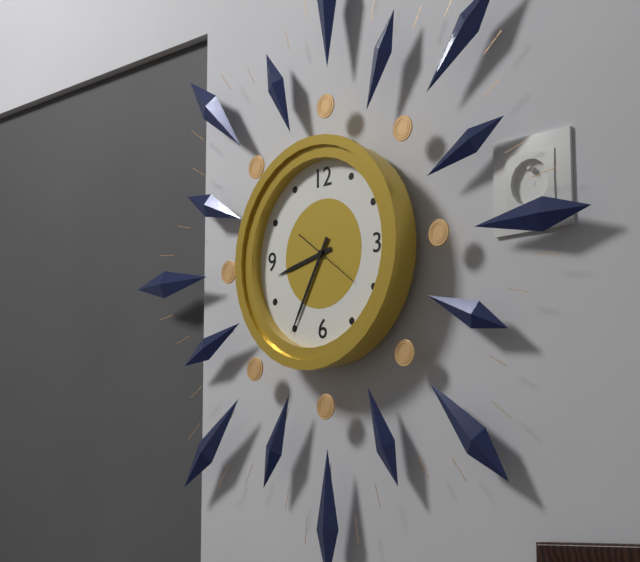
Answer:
8h35m21s
